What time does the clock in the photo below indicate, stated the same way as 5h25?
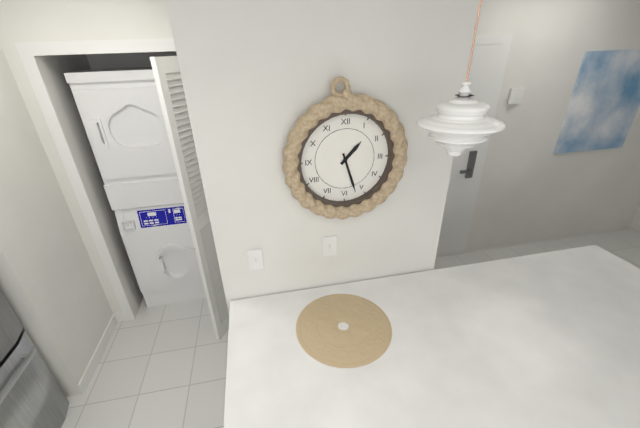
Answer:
1h27
